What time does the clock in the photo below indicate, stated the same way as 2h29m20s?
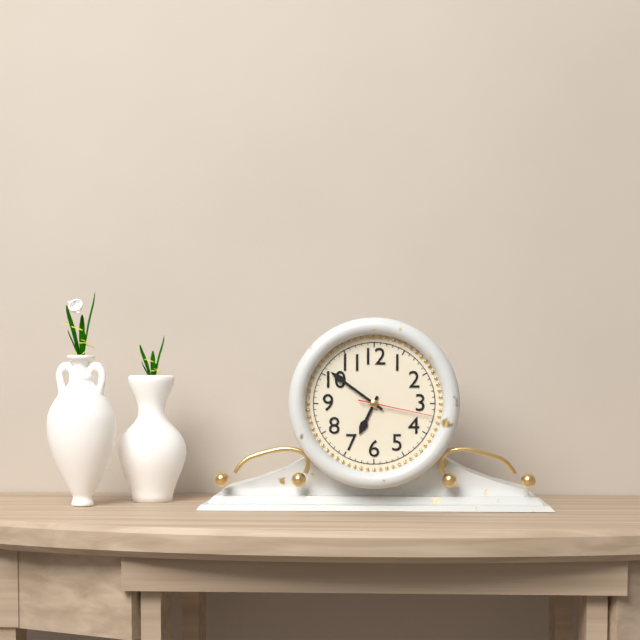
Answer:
6h51m17s
